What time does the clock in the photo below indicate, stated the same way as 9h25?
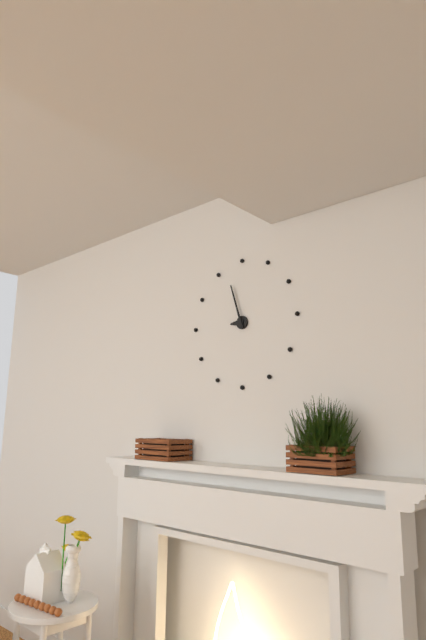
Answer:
8h57
